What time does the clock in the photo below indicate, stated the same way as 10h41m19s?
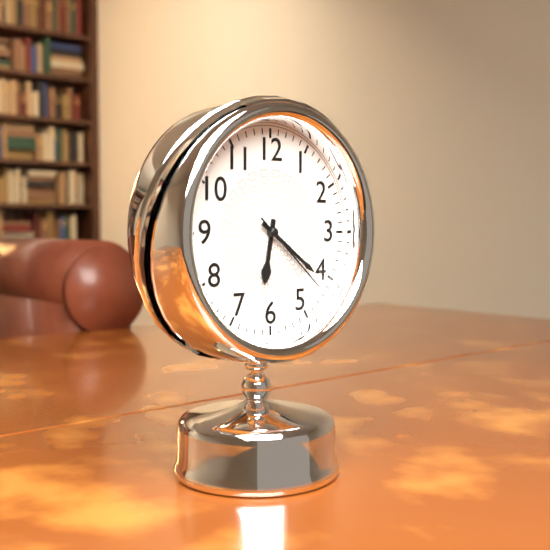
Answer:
6h21m22s
